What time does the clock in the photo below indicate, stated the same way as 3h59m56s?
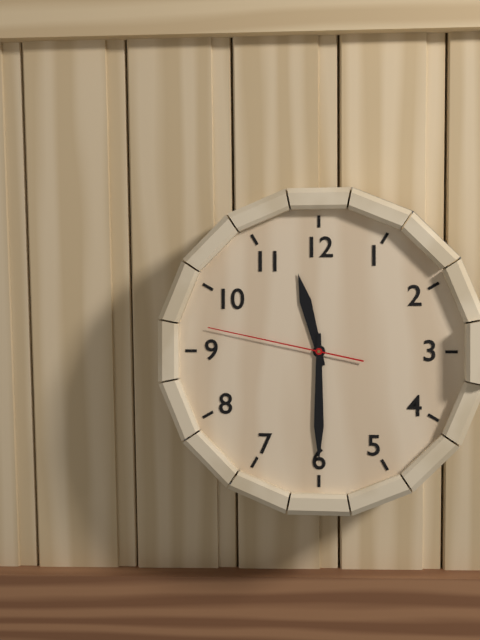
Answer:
11h30m47s
